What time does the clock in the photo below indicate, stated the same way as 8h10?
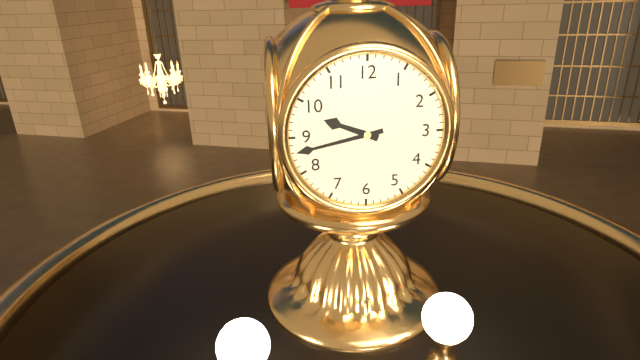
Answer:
9h43
